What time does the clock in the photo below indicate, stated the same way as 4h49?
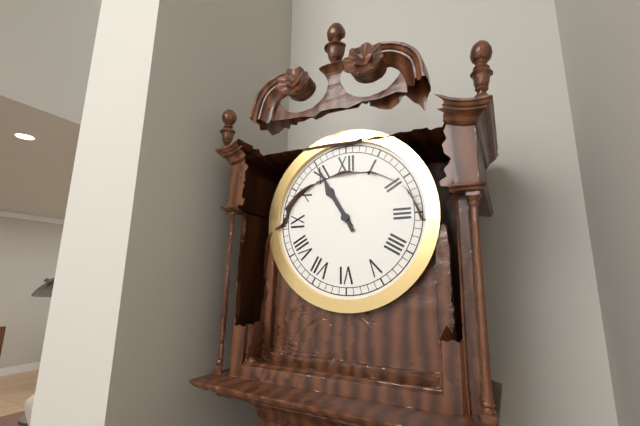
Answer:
10h55
